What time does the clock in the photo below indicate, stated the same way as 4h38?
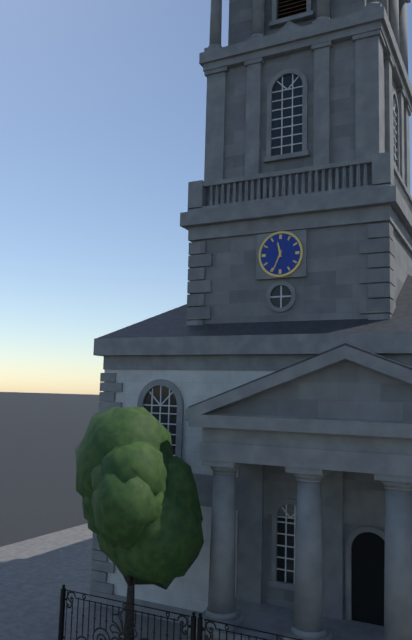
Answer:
11h34
